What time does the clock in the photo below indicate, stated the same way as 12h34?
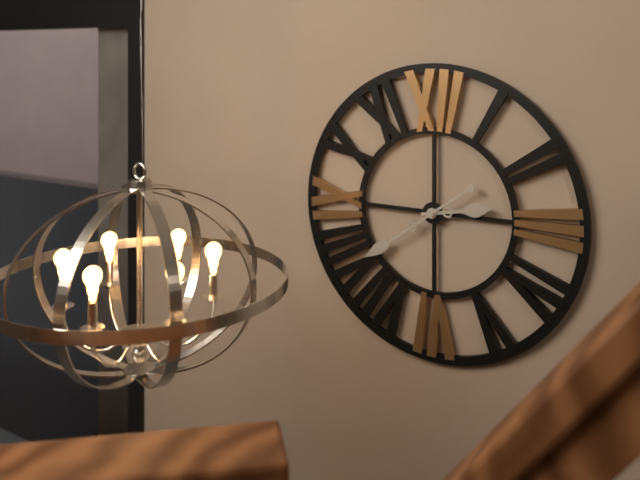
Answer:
2h39
